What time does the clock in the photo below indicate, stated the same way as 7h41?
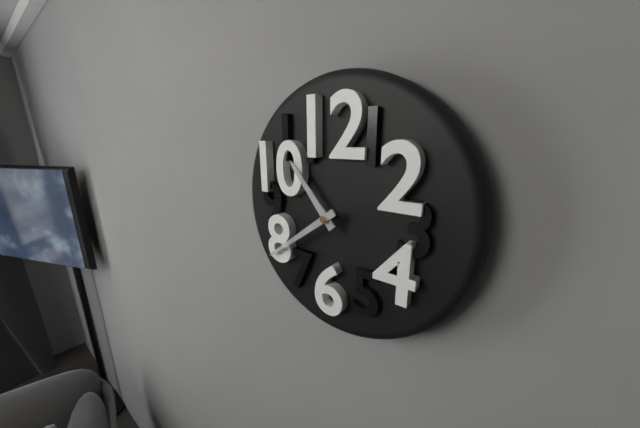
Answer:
10h39
